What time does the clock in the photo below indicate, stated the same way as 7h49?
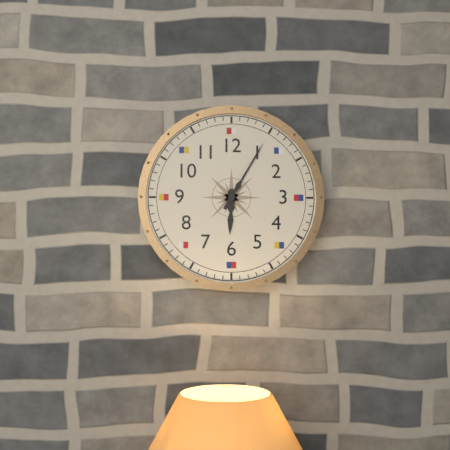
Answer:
6h05
